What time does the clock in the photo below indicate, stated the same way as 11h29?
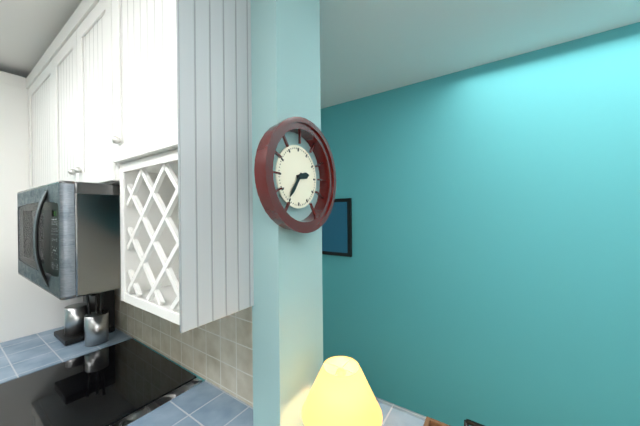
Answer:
2h36
